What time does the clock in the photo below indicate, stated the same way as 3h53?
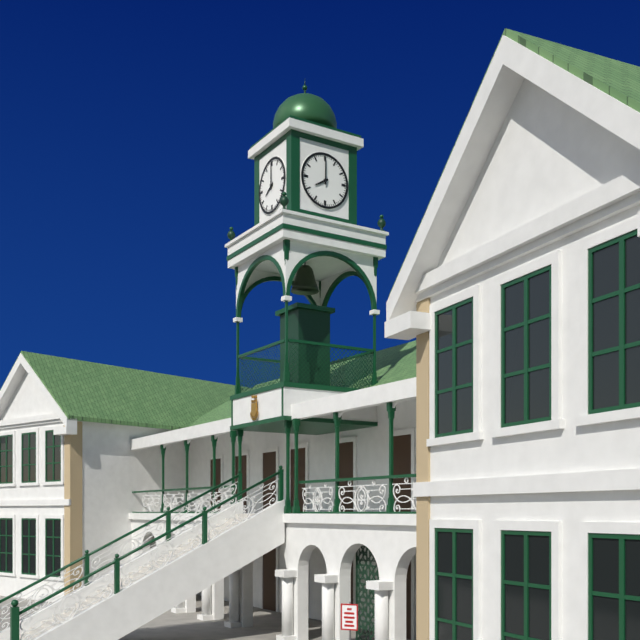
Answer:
8h00
